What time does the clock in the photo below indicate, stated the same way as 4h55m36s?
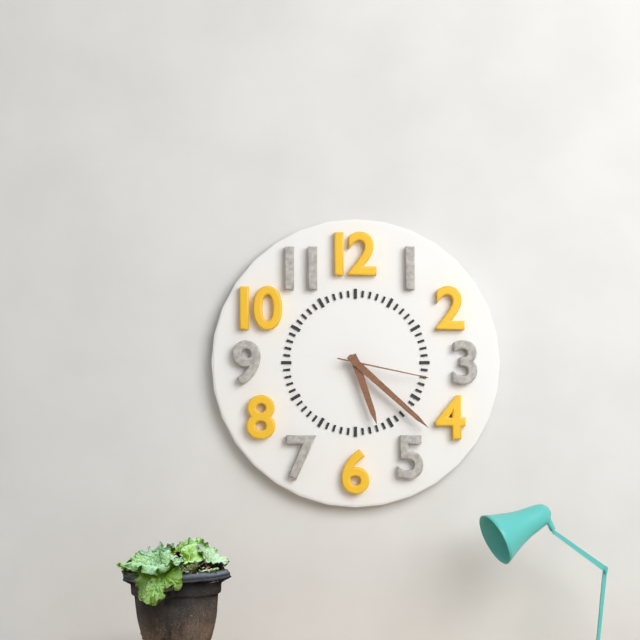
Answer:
5h22m17s
